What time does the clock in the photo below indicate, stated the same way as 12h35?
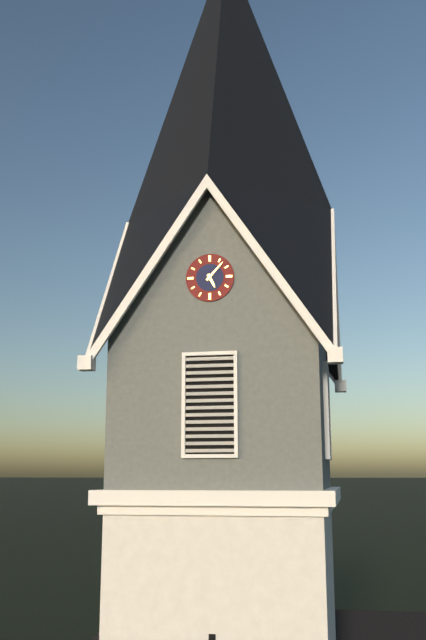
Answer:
5h07
